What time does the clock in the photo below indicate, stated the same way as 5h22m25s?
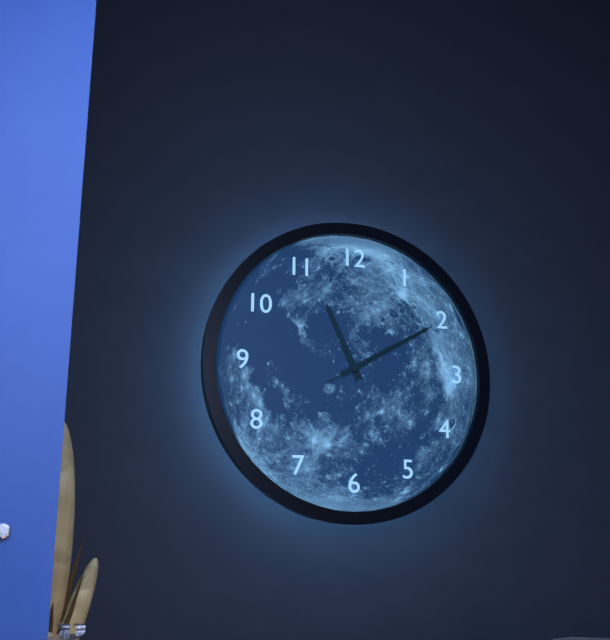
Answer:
11h10m10s
